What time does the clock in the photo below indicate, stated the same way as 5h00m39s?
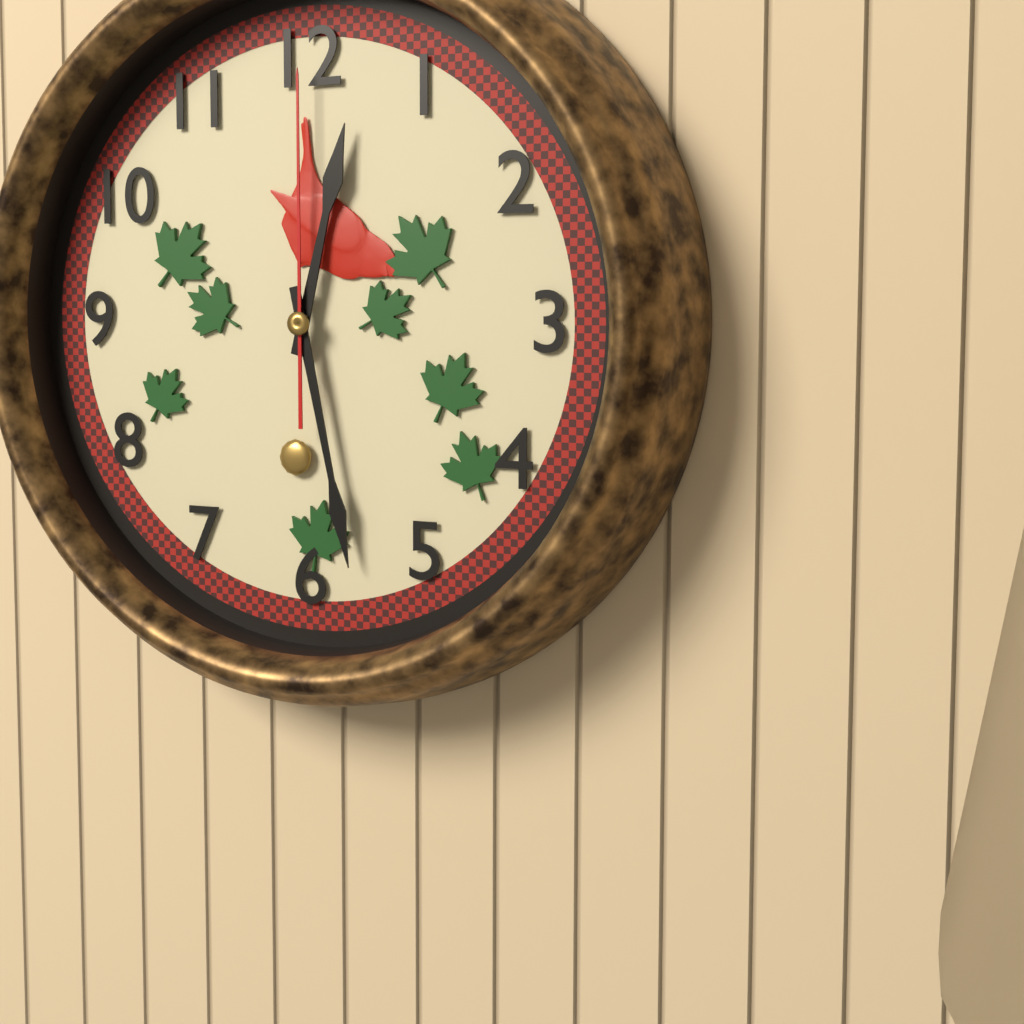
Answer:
12h28m00s
